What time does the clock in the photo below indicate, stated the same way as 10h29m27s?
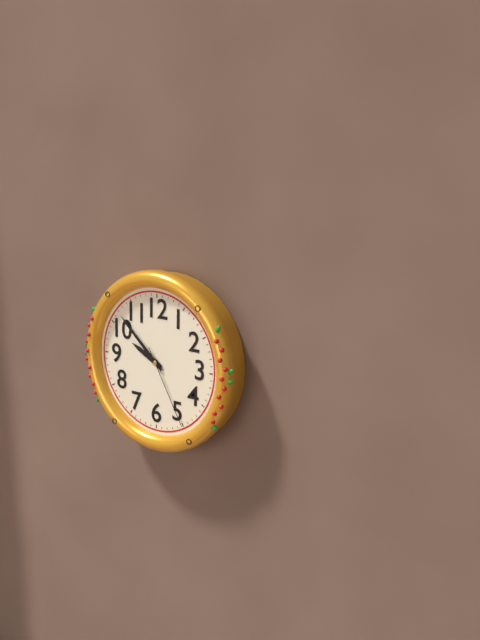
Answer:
9h52m25s
